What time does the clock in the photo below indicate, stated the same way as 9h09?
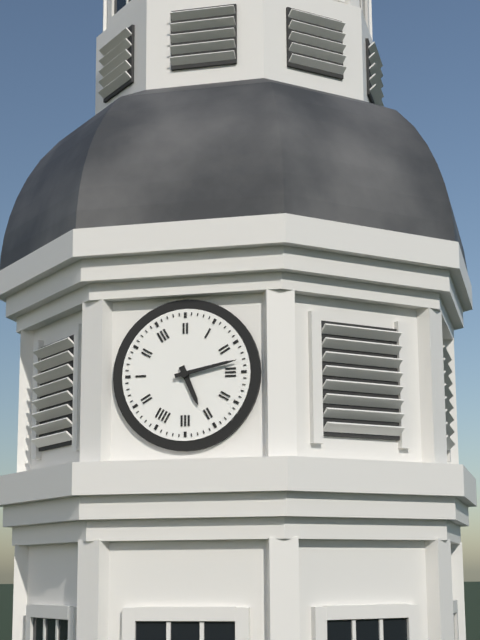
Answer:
5h13
